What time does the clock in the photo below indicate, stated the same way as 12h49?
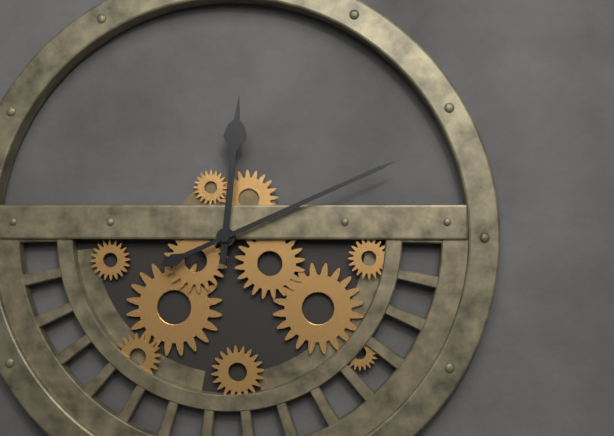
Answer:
12h11
